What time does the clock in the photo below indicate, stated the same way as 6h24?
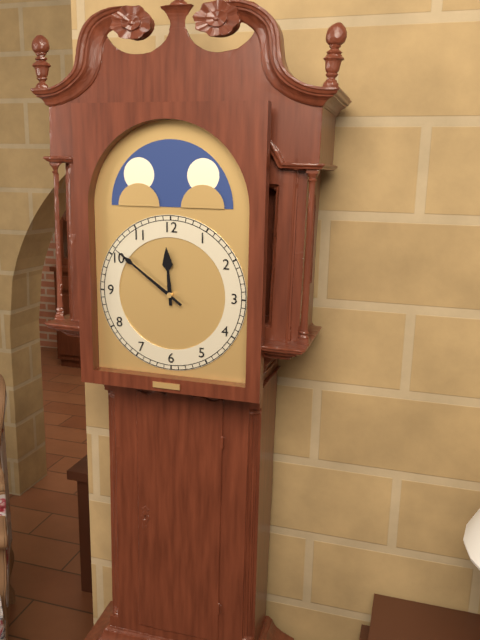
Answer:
11h51
